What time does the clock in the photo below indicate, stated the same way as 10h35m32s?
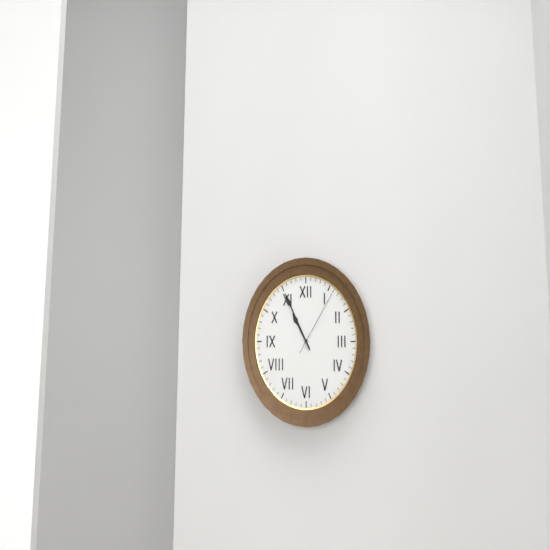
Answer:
10h55m06s
